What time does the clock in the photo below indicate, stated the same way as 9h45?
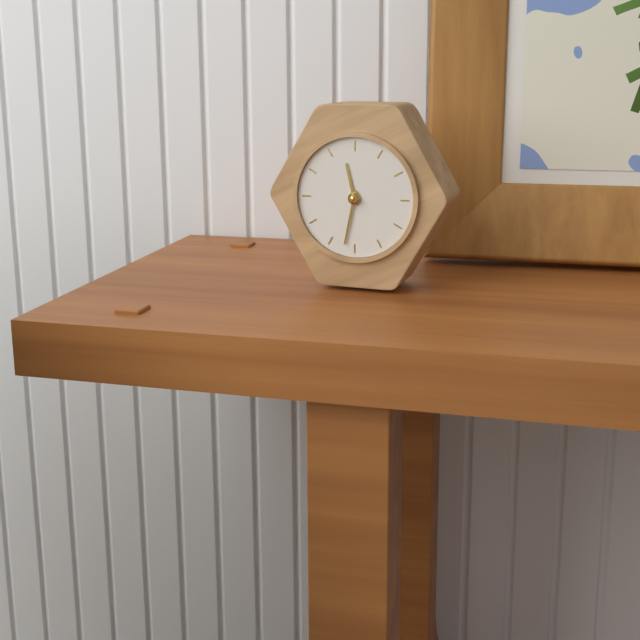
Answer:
11h32
